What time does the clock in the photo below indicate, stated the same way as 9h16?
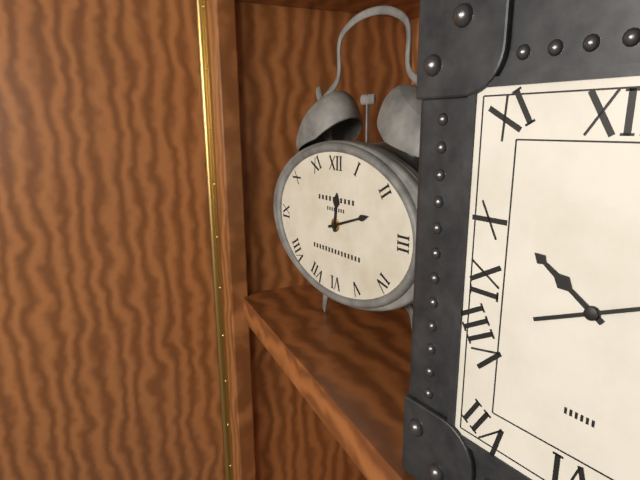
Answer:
12h12
